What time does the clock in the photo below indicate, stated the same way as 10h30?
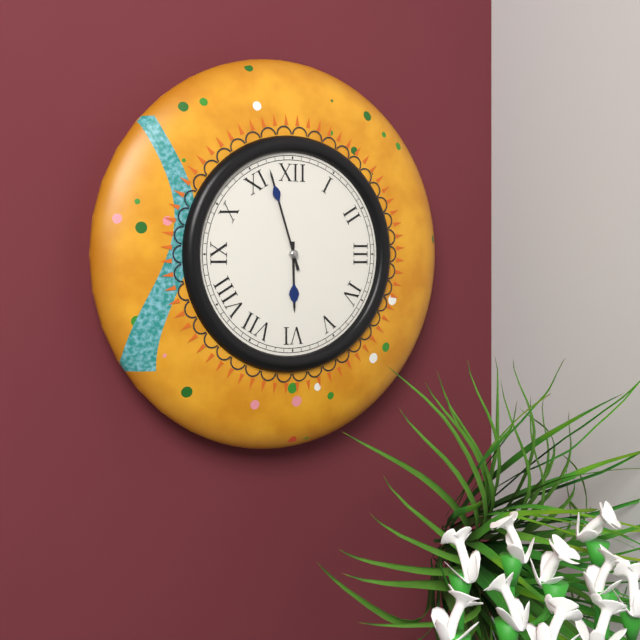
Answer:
5h57
